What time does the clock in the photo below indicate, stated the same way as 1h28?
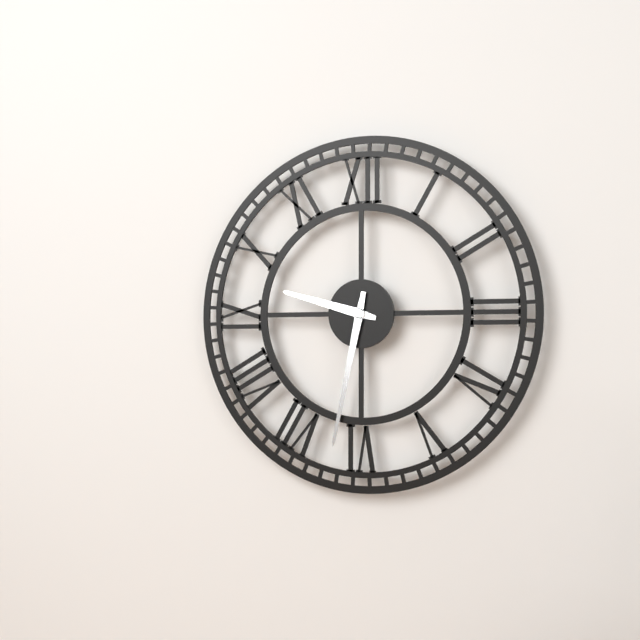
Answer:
9h32
